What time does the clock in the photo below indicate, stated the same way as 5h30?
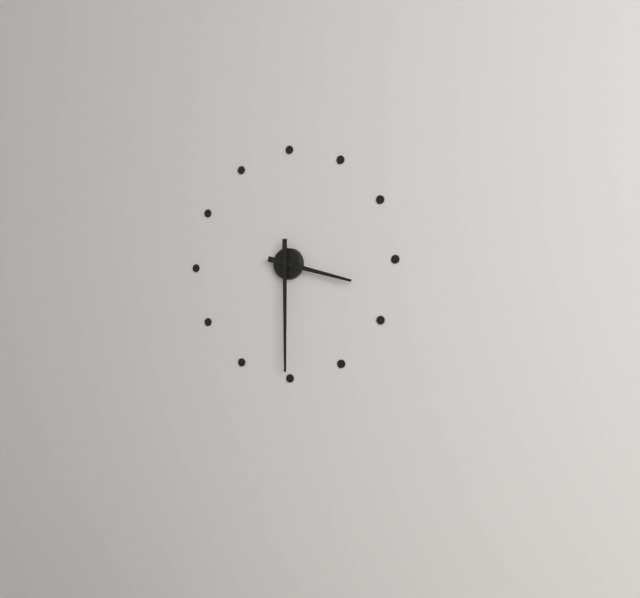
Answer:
3h30
